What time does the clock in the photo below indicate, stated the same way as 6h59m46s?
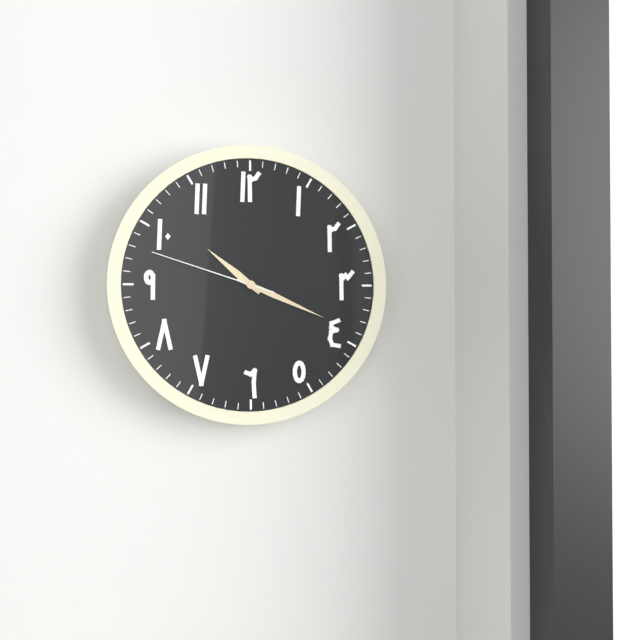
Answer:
10h19m48s
